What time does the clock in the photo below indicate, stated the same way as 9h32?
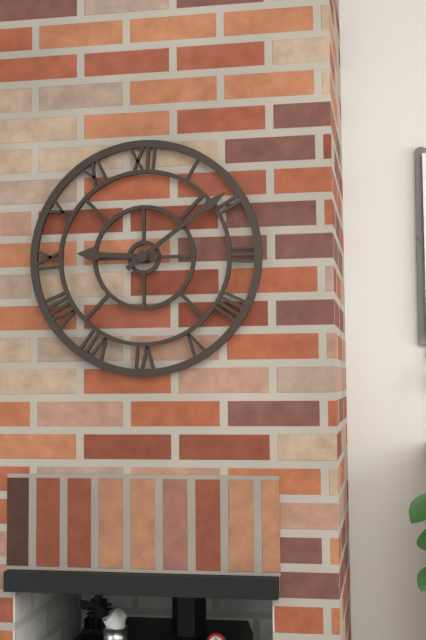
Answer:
9h09
